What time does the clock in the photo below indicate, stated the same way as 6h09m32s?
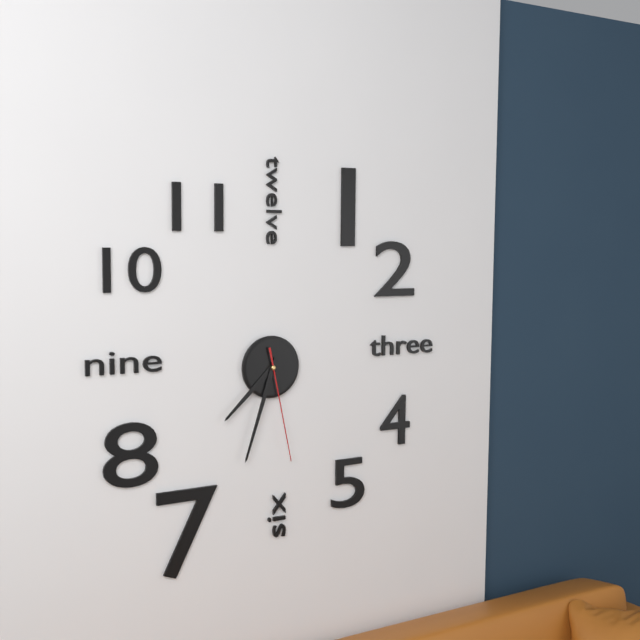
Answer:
7h33m28s
